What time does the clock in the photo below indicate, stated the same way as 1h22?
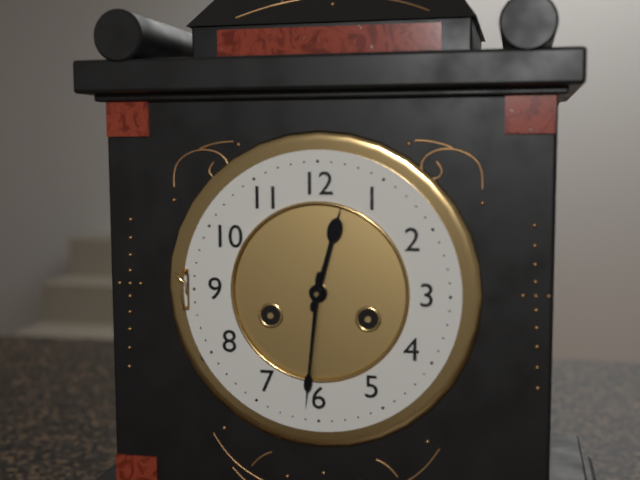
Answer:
12h31
